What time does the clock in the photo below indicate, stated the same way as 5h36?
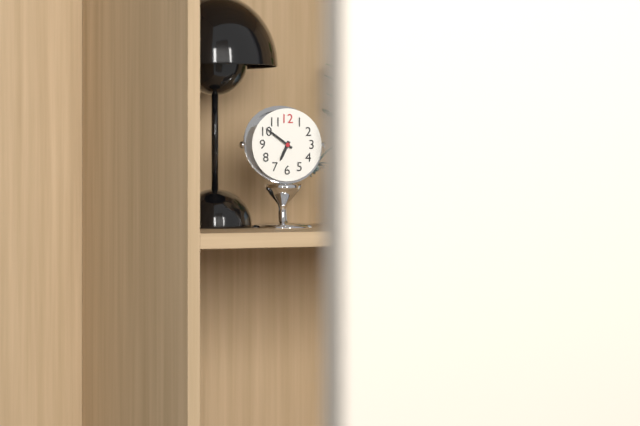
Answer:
6h51
